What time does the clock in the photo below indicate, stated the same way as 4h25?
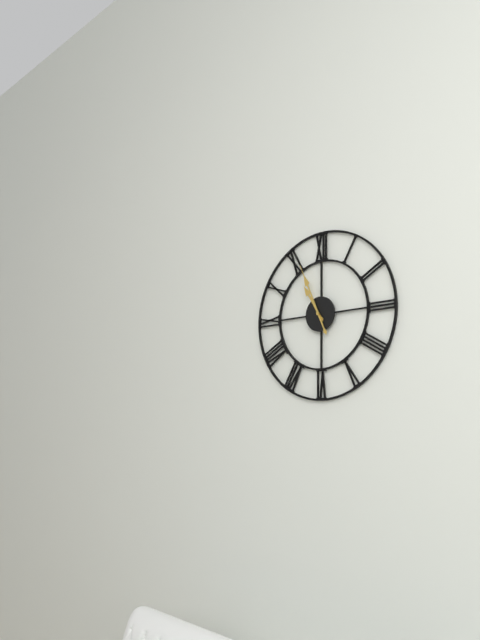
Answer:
10h56
